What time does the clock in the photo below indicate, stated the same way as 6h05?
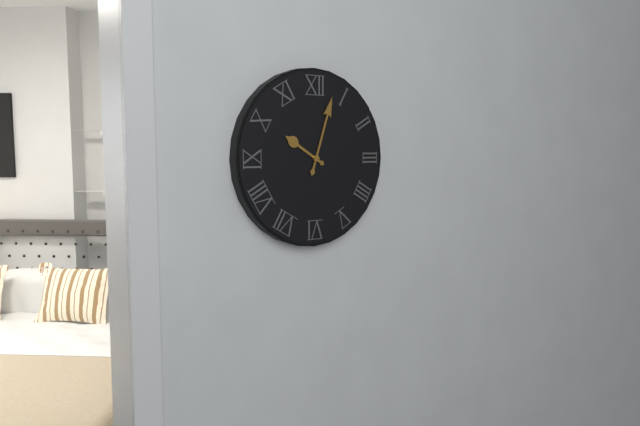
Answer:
10h03
